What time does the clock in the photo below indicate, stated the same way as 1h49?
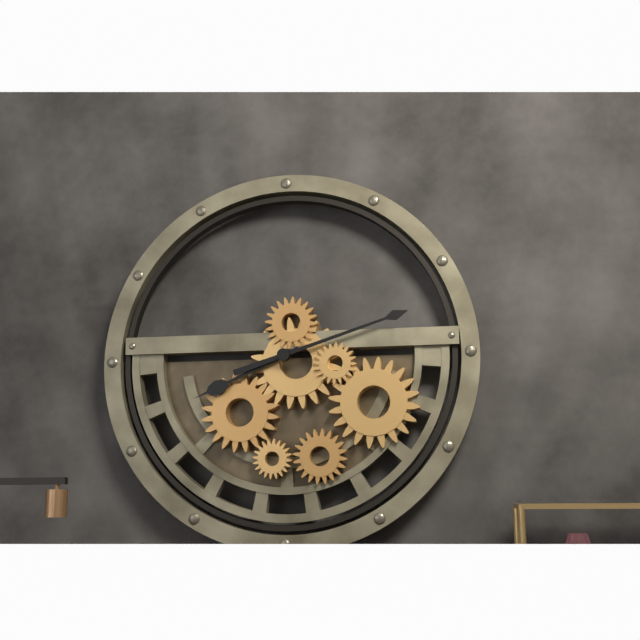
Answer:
8h12
